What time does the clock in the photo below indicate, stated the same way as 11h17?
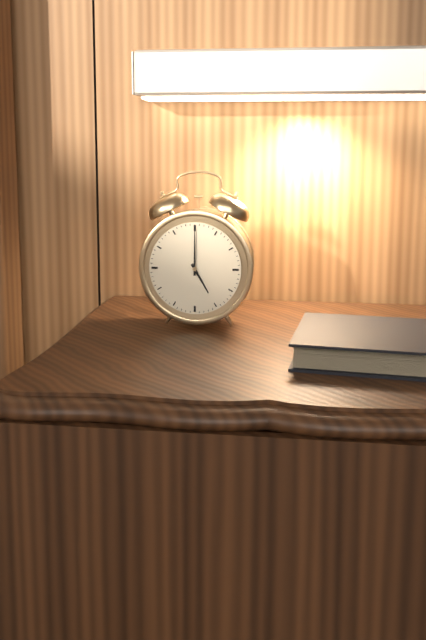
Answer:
5h00
